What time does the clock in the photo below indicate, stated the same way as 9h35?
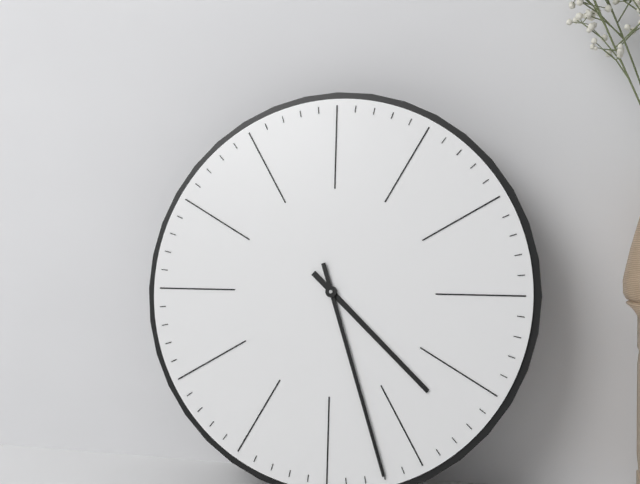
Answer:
4h27
